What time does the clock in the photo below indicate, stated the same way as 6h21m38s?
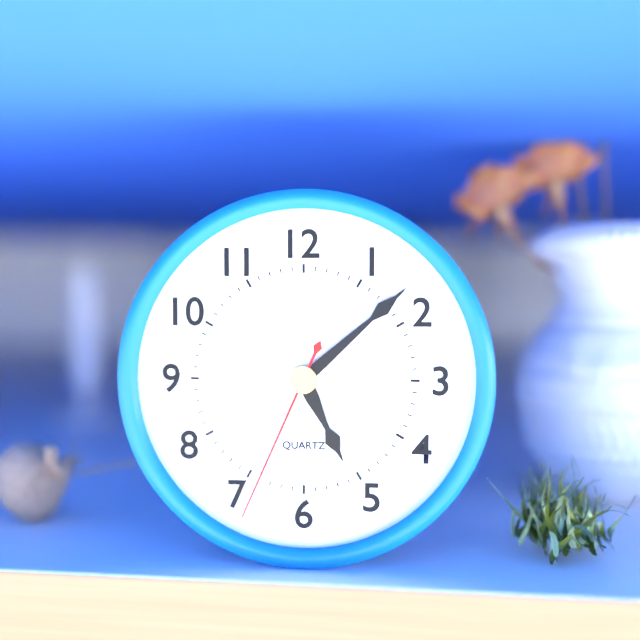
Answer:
5h08m34s
